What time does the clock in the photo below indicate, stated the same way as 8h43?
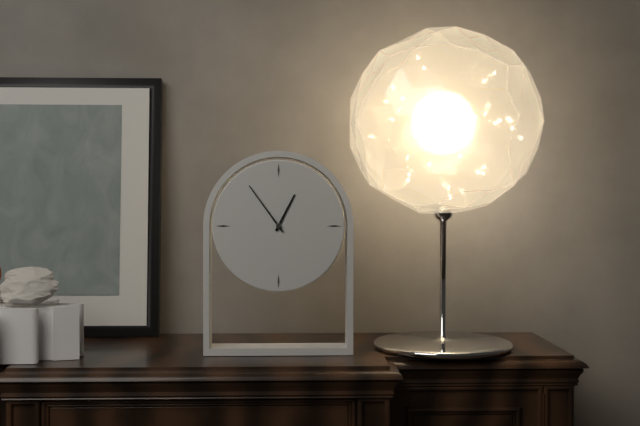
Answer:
12h54
